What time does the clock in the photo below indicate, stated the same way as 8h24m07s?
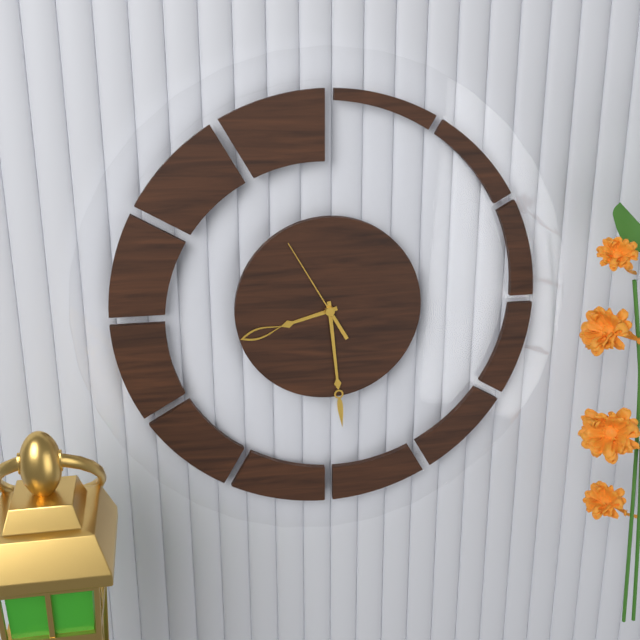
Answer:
8h29m55s
